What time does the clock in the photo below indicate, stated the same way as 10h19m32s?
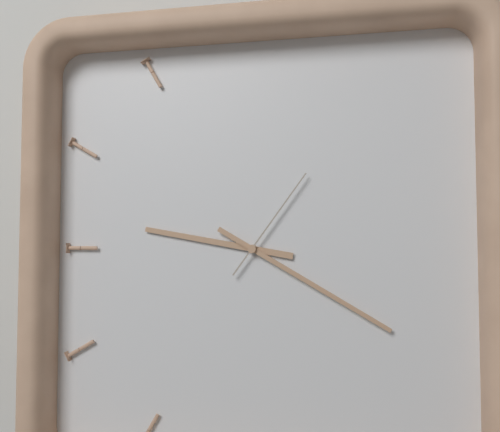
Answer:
9h20m06s
